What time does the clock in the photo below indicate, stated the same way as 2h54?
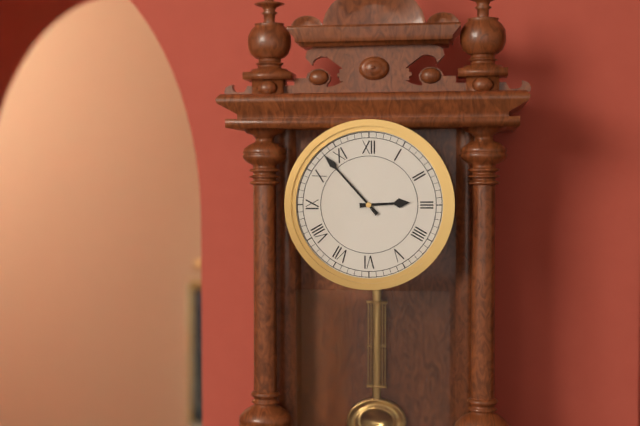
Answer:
2h53
